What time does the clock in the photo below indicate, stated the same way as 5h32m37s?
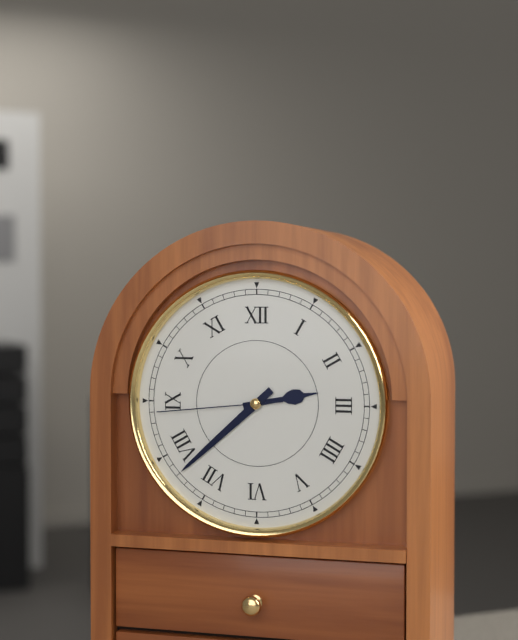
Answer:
2h38m44s
